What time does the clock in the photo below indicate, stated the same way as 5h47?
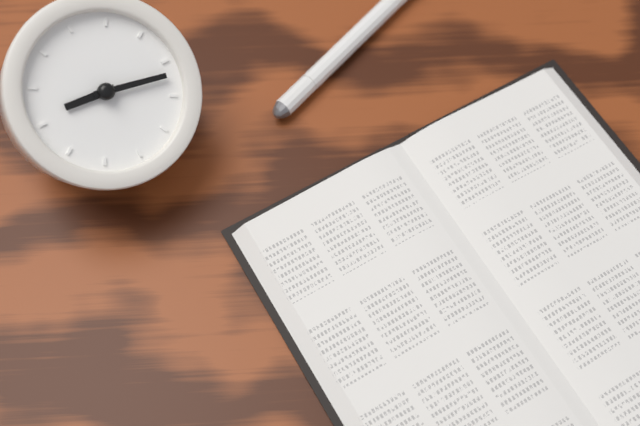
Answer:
8h12
